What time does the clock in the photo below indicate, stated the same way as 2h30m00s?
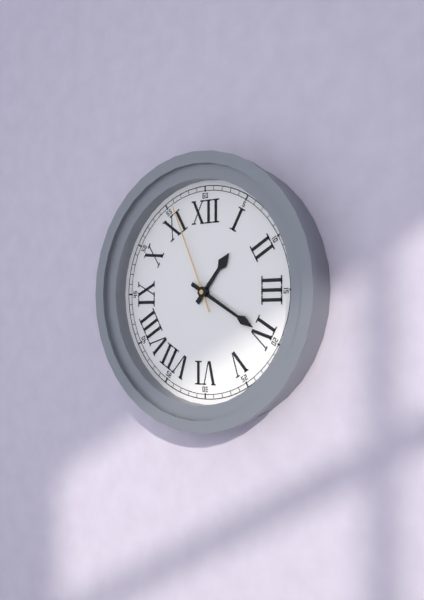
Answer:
1h20m56s
